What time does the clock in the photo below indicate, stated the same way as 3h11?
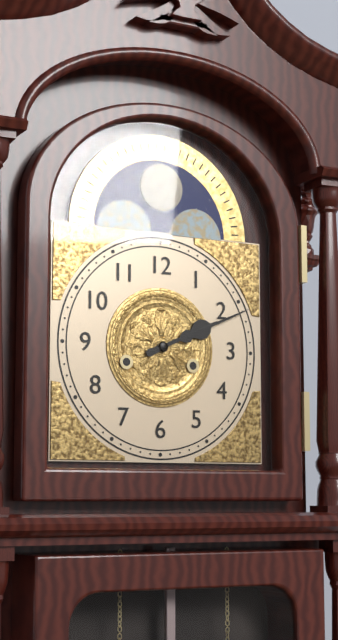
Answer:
2h11
